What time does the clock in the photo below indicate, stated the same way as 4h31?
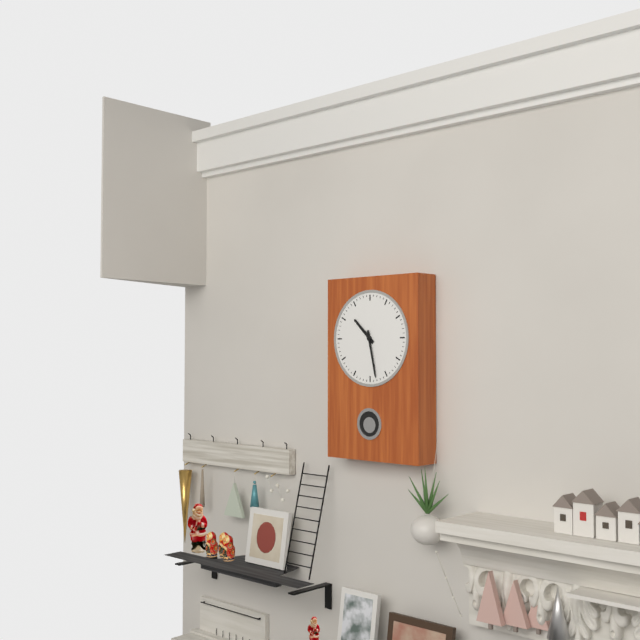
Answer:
10h28
